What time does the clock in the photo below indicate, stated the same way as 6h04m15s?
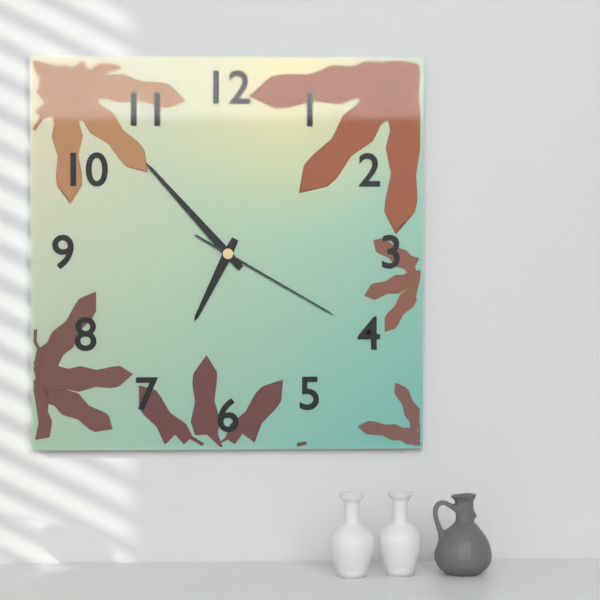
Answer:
6h53m20s
